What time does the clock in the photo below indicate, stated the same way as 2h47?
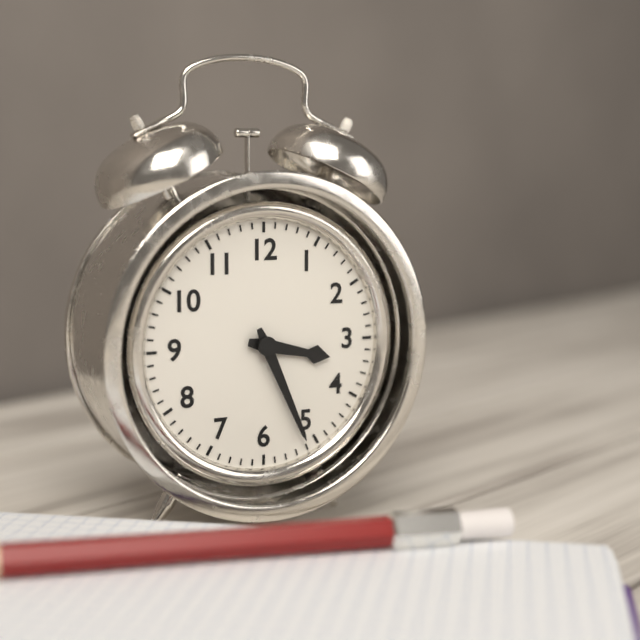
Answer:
3h26
